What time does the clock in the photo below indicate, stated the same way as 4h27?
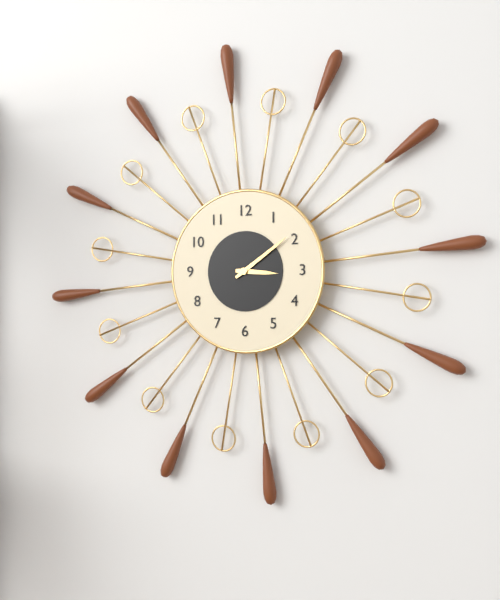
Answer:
3h09
